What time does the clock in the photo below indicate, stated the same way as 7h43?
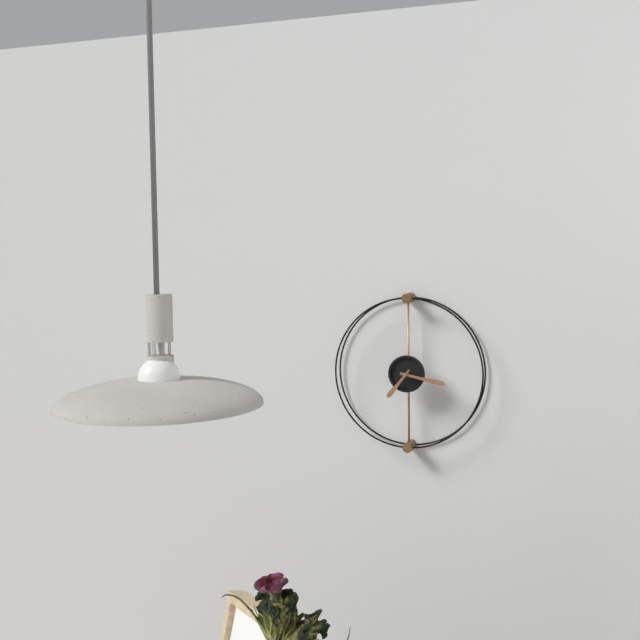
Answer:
7h17
